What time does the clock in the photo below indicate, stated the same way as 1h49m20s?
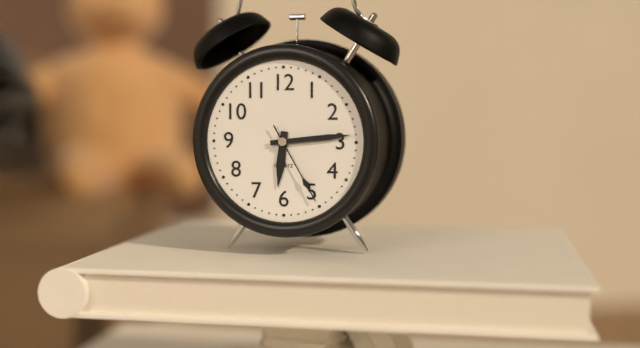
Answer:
6h14m25s
